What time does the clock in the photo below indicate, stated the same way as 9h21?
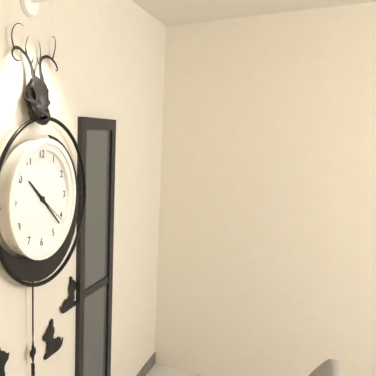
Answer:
10h22
